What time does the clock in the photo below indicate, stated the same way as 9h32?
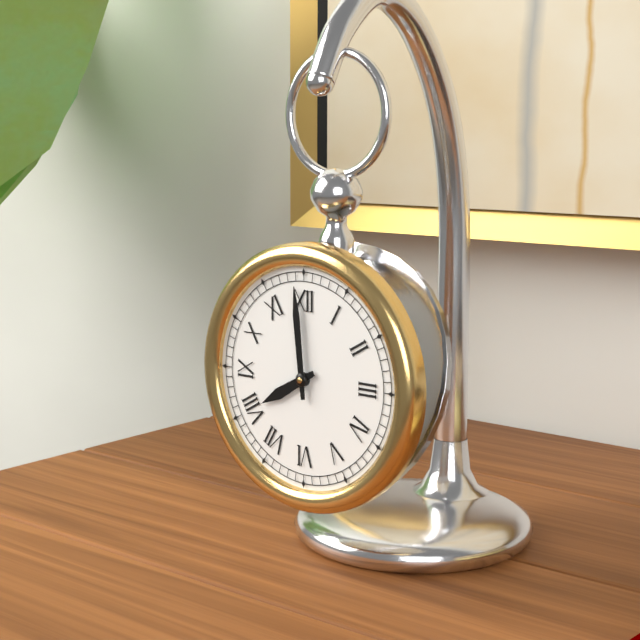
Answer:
7h59
